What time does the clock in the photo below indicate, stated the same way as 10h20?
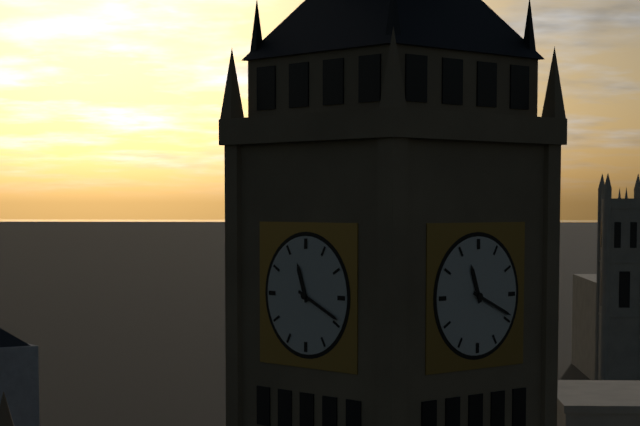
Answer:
11h19
